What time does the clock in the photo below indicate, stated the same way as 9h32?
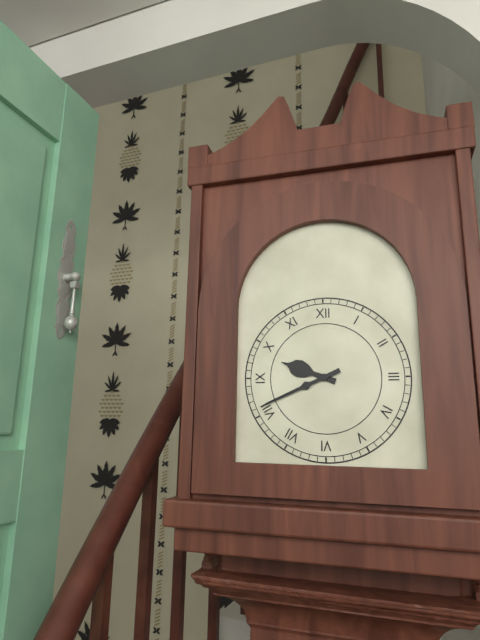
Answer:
9h41
